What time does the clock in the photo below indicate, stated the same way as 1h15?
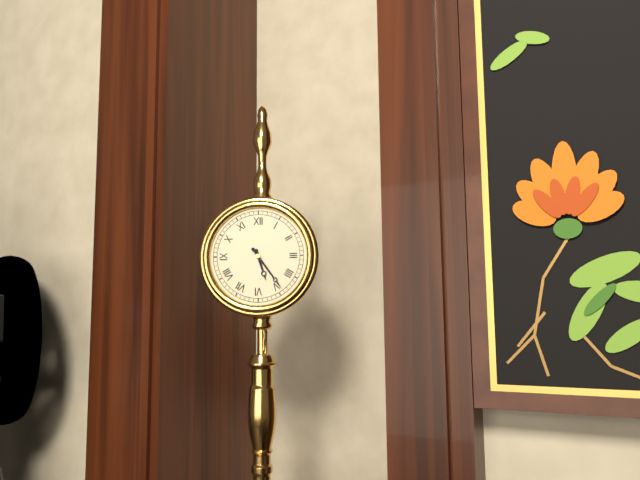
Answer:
5h24
